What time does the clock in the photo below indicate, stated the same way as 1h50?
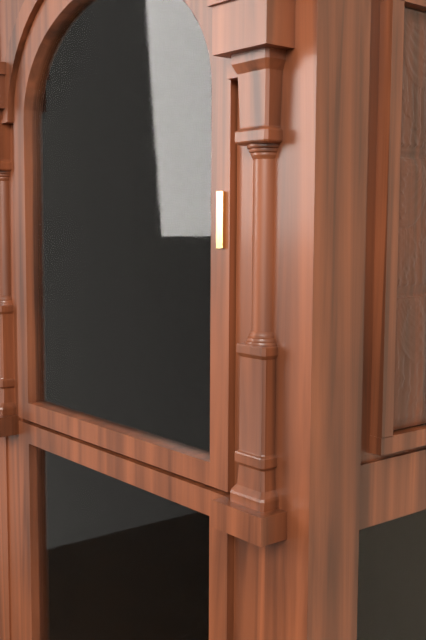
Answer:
5h57
